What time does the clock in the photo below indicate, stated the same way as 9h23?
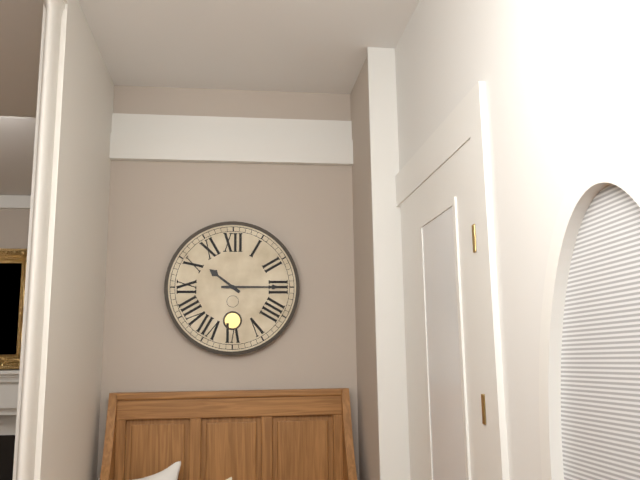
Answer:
10h15
